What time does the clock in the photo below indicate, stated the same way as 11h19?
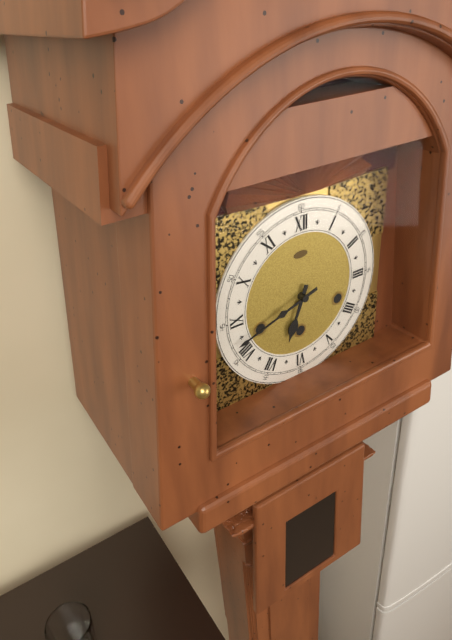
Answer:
6h42
